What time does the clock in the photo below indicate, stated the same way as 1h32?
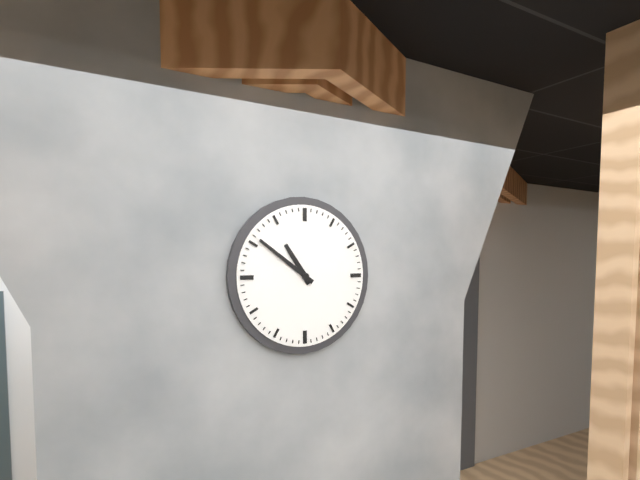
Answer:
10h51
